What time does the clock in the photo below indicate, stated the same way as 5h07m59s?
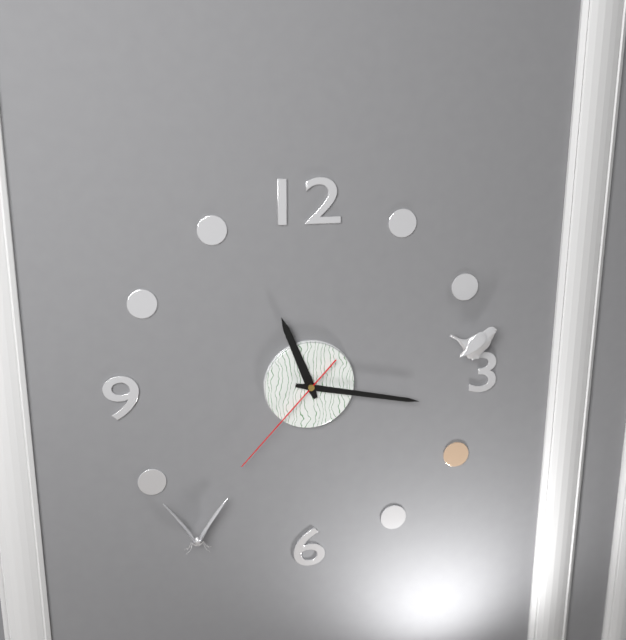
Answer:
11h17m37s
